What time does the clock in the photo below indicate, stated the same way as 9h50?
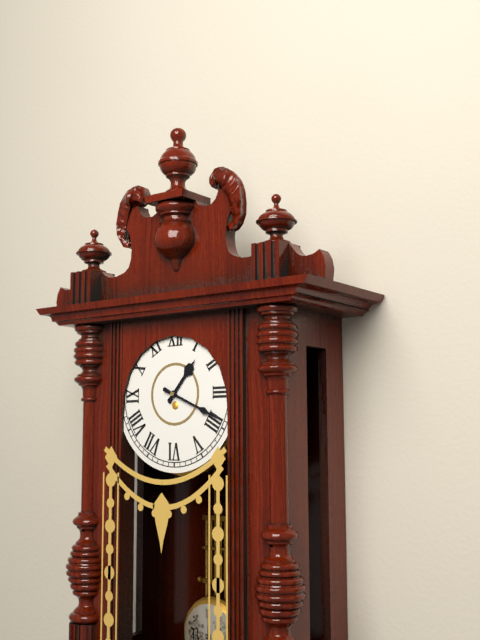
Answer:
1h19
